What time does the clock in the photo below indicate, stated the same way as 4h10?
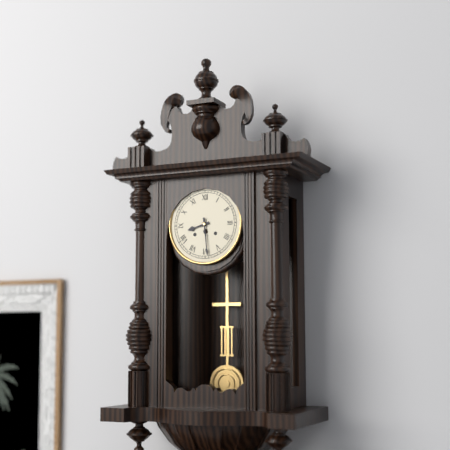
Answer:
8h29
